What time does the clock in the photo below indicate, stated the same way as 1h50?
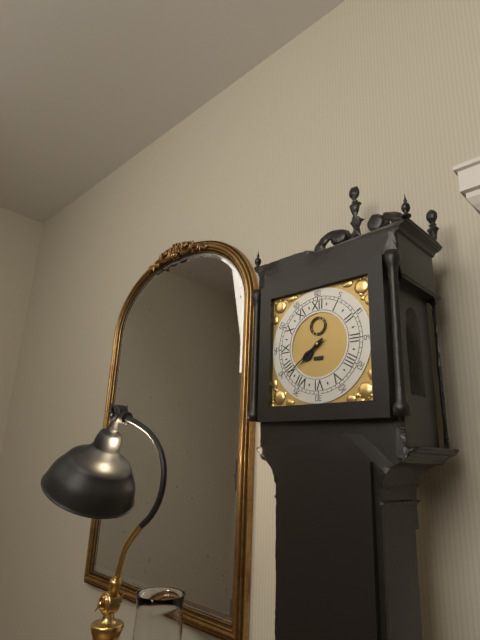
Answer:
7h39
